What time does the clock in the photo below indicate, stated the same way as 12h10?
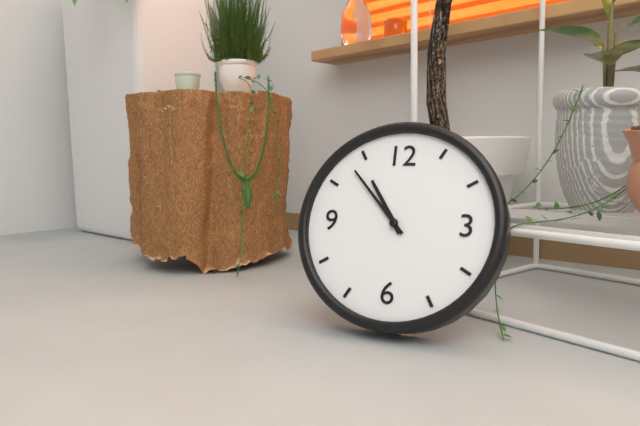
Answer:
10h53
